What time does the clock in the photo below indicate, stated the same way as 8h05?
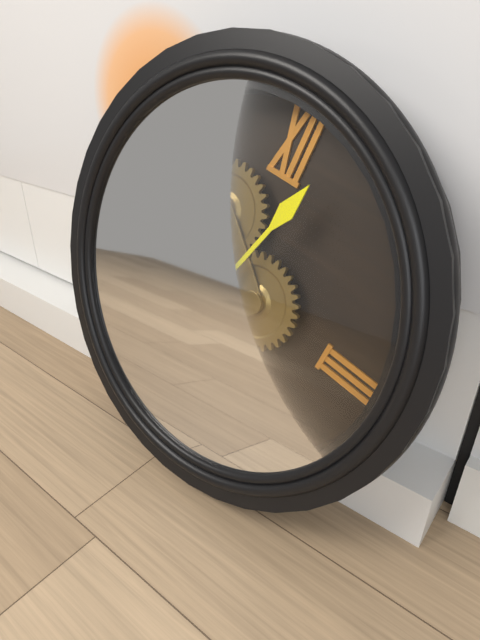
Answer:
5h03
